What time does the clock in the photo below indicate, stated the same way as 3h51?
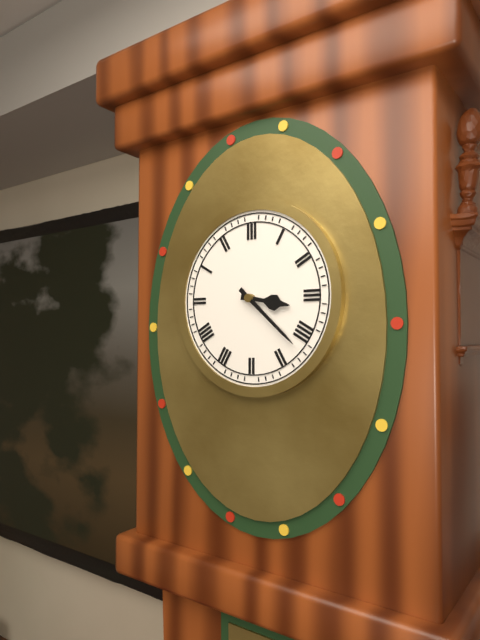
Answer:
3h22
